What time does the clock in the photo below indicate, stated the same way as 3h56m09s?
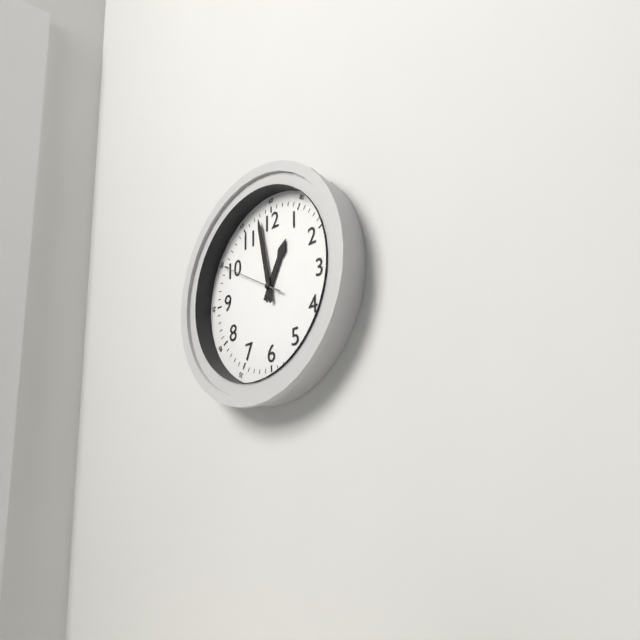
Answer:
12h58m50s
